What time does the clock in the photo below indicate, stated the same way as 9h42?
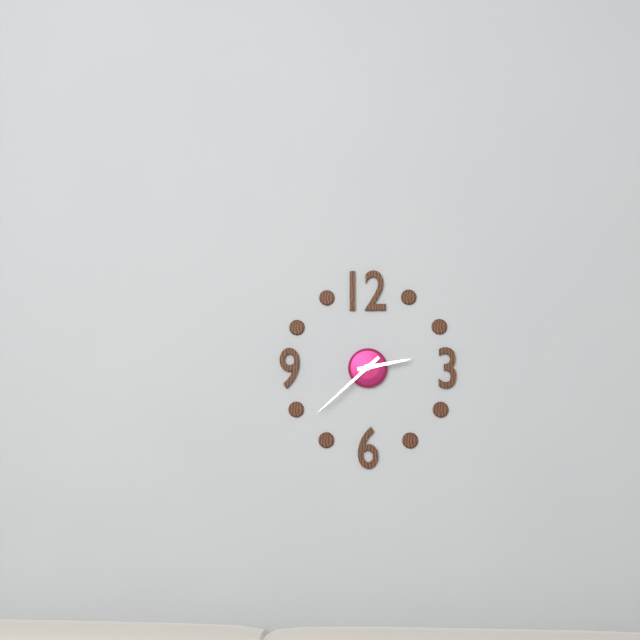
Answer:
2h38
